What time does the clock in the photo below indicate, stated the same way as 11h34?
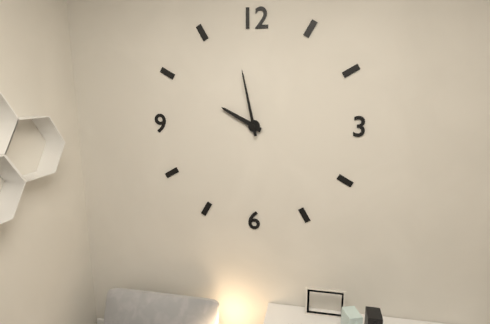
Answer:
9h58
